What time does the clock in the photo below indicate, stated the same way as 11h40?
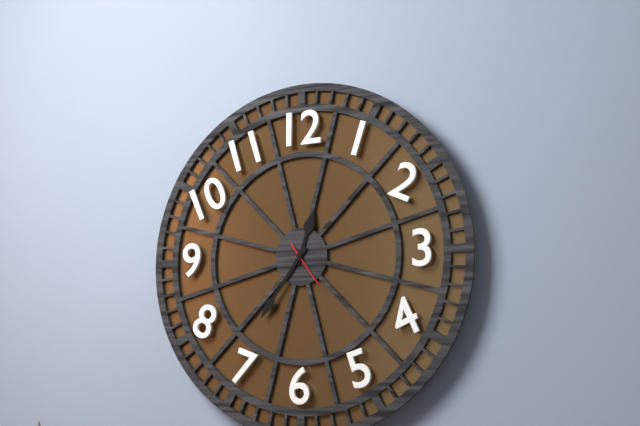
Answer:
12h36
